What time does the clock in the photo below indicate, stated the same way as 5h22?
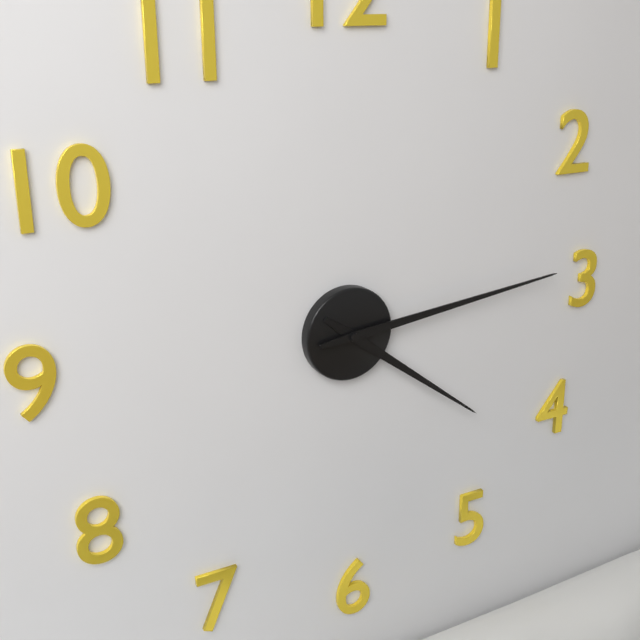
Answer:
4h14
